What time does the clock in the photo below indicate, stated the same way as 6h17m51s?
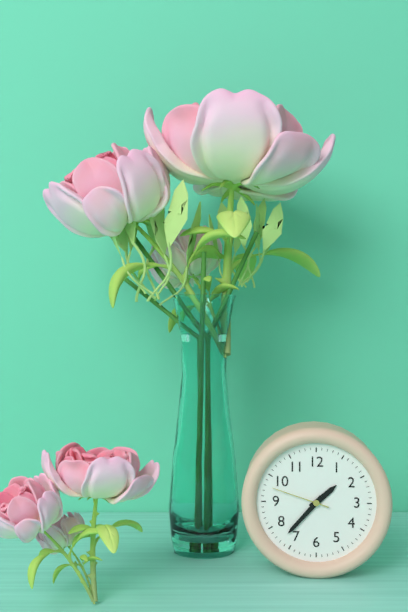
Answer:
1h37m48s
